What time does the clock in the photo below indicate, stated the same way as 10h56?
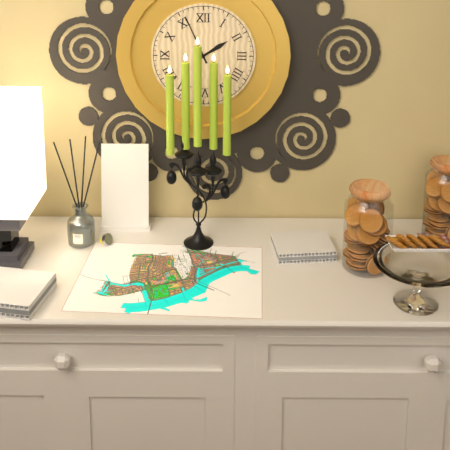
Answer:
1h56
